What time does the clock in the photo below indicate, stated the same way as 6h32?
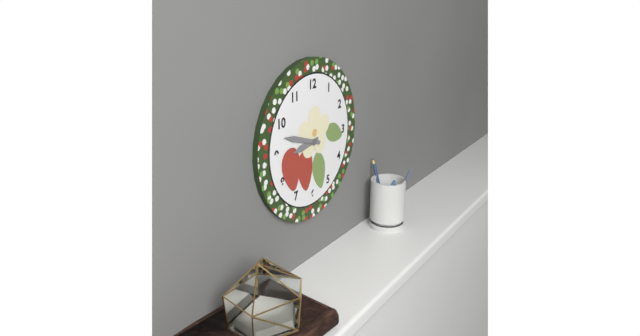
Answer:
8h48
